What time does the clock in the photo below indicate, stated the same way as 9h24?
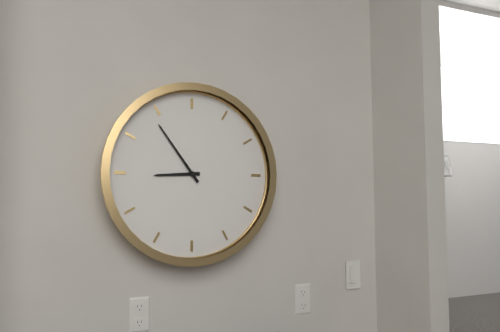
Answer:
8h54
